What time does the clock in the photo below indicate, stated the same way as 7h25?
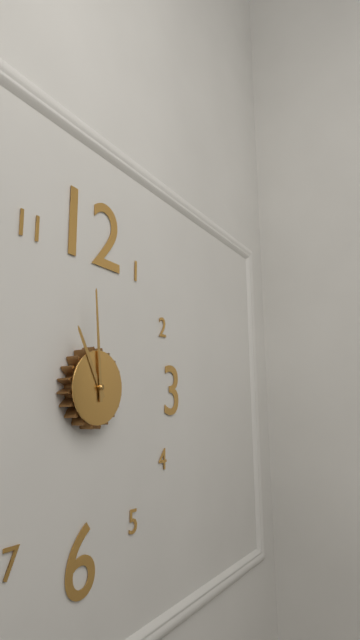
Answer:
10h59
